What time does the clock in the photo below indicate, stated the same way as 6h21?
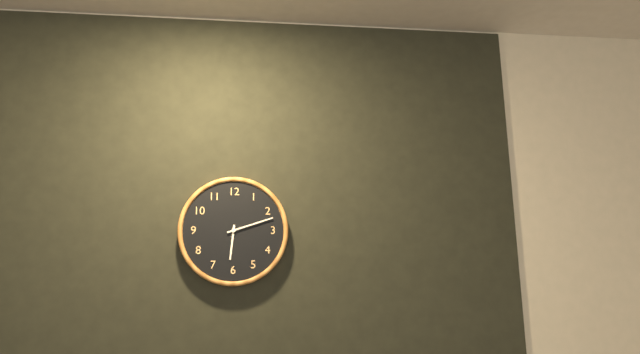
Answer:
6h12
